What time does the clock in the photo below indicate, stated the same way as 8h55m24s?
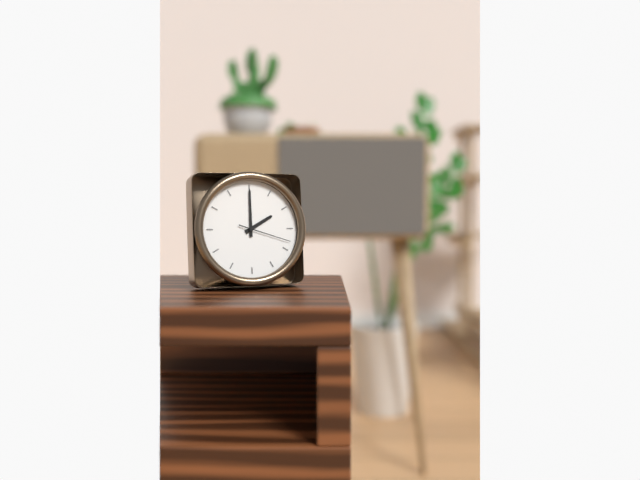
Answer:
2h00m18s
